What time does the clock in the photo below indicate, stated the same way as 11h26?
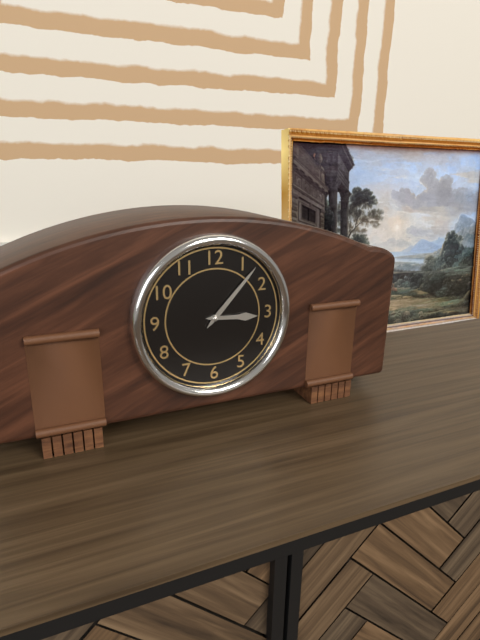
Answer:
3h07
